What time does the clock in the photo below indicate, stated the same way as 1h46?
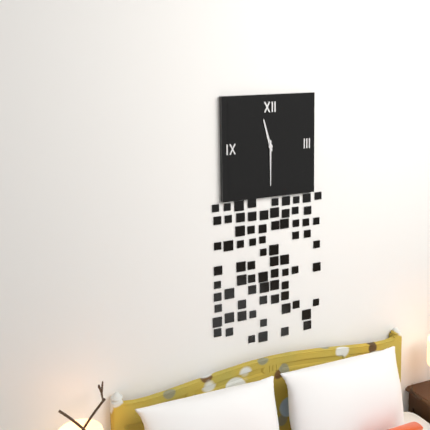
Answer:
11h30
